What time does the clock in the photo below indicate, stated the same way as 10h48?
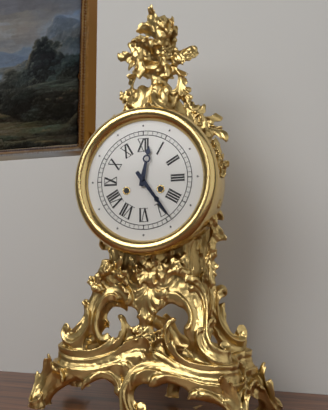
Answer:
12h24
